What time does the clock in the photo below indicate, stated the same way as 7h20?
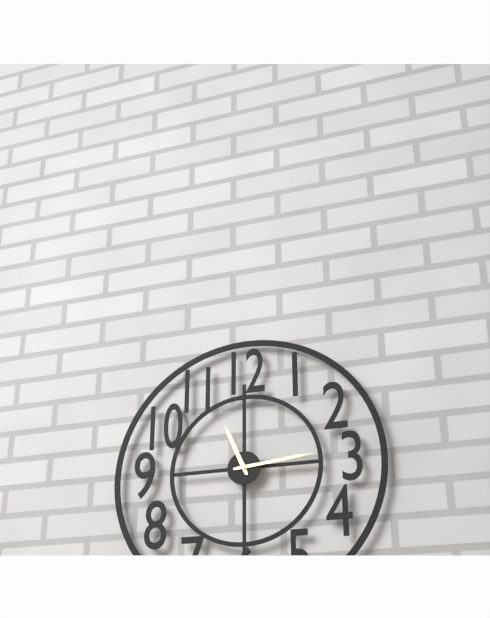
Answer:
11h14
